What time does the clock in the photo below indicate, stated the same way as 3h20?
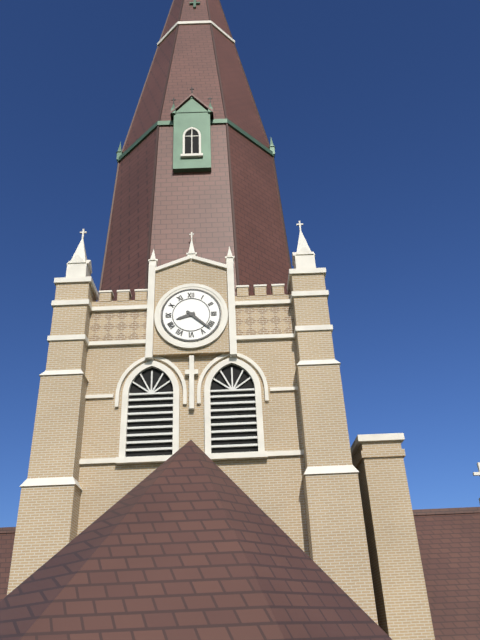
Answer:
8h22
